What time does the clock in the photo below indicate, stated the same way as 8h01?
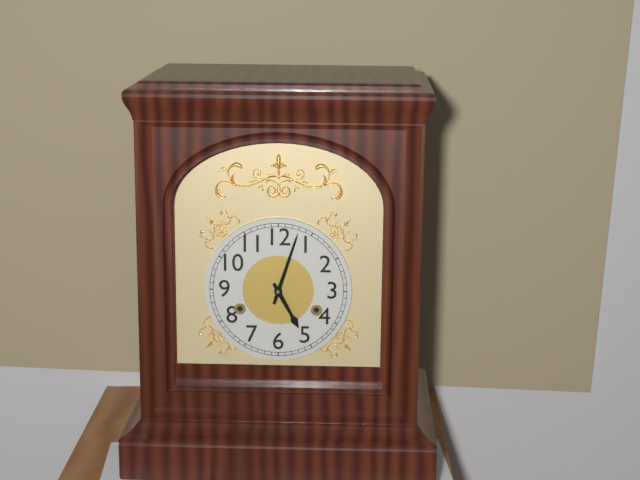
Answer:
5h03
